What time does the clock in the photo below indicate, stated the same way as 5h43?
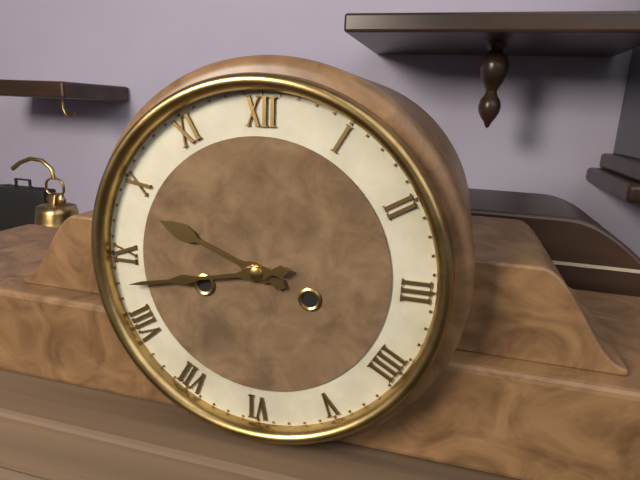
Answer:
9h43
